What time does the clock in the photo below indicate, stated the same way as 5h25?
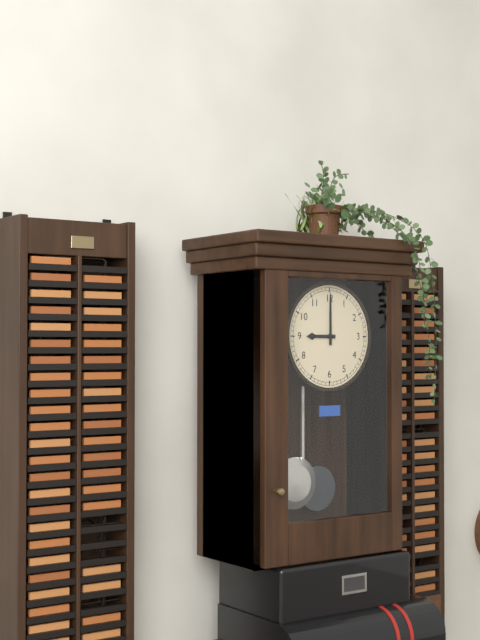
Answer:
9h00
